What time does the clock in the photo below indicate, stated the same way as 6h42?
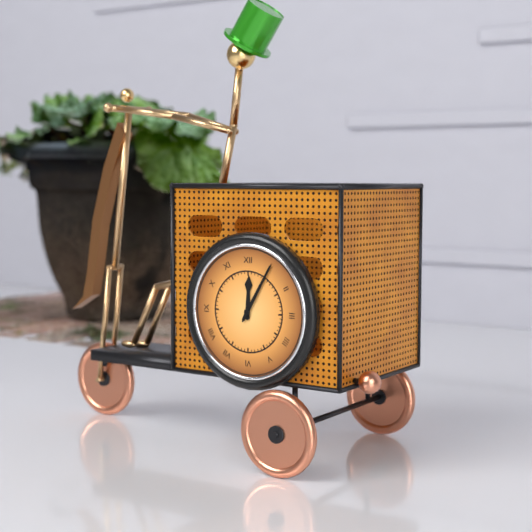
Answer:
12h05
